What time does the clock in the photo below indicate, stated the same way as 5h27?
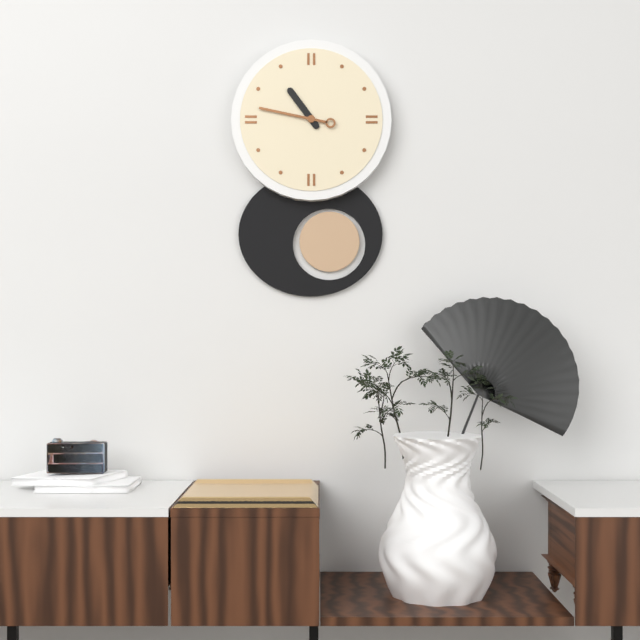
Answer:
10h47
